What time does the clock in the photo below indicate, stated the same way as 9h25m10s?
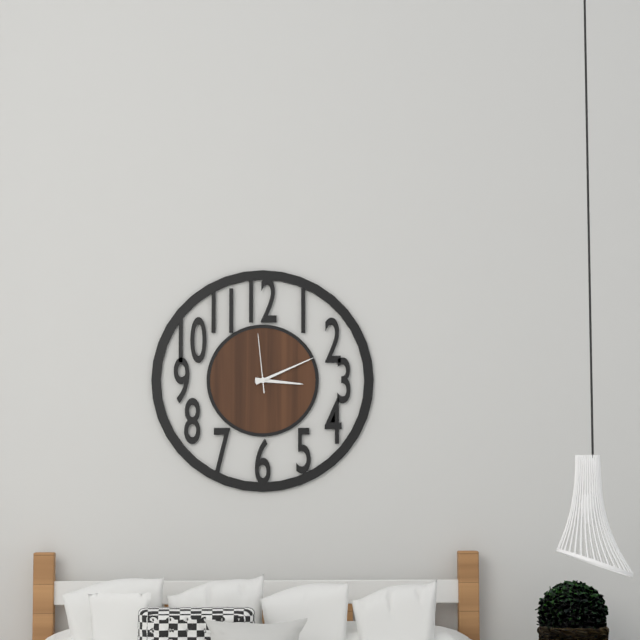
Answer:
3h11m59s
